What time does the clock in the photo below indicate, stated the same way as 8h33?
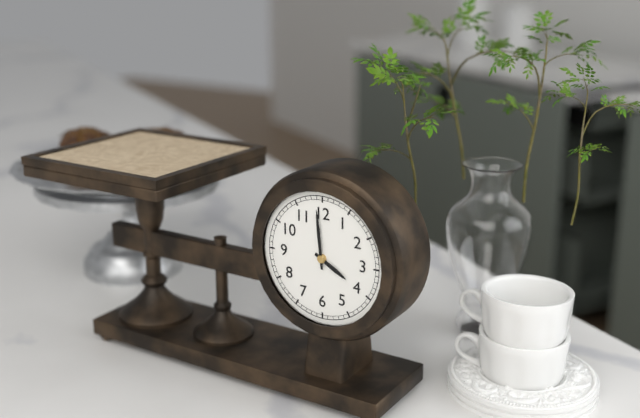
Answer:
3h59
